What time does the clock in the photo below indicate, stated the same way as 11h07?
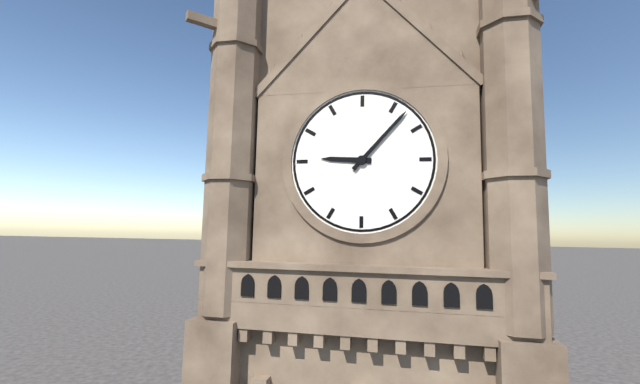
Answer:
9h07
